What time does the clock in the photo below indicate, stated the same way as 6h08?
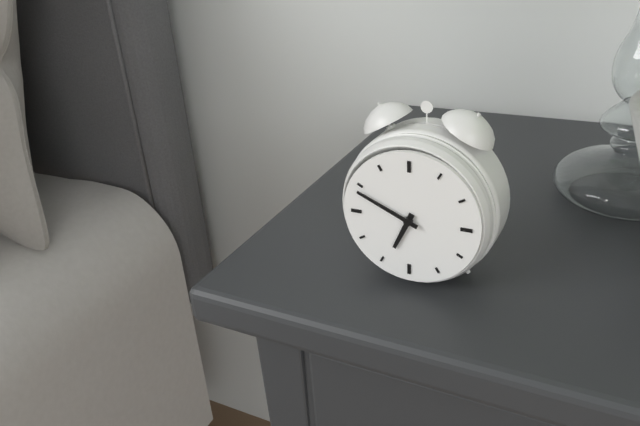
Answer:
6h49
